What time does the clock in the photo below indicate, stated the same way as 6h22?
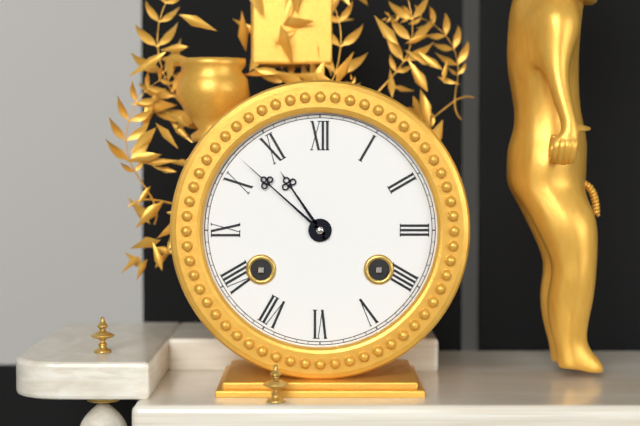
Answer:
10h52
